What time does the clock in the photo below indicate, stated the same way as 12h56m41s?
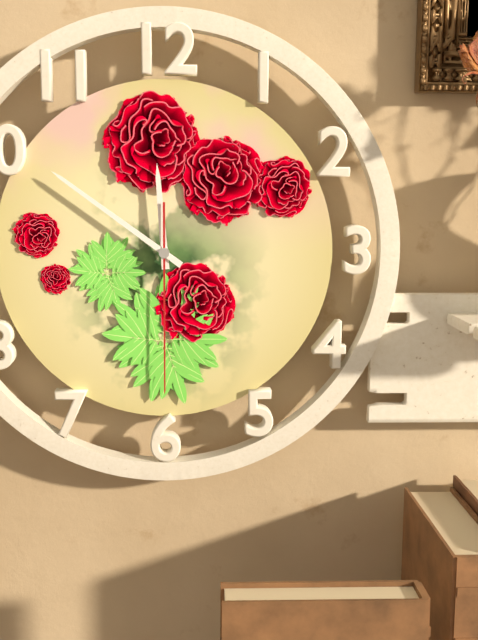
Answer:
11h51m30s
